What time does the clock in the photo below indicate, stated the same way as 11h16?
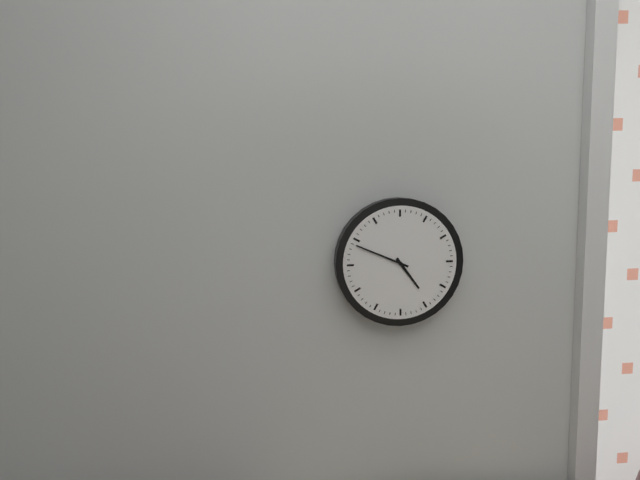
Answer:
4h49
